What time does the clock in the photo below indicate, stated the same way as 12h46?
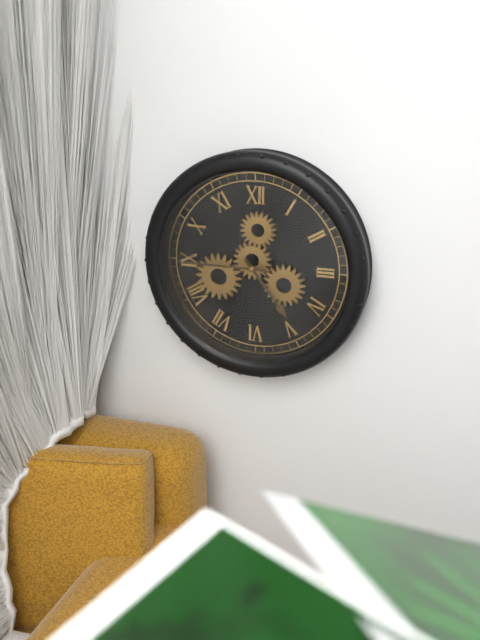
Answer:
4h45
